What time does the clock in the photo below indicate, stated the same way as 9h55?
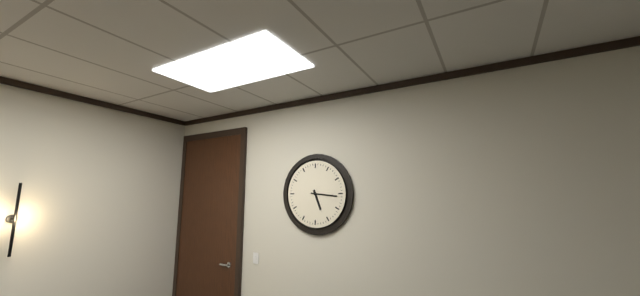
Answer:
5h16
